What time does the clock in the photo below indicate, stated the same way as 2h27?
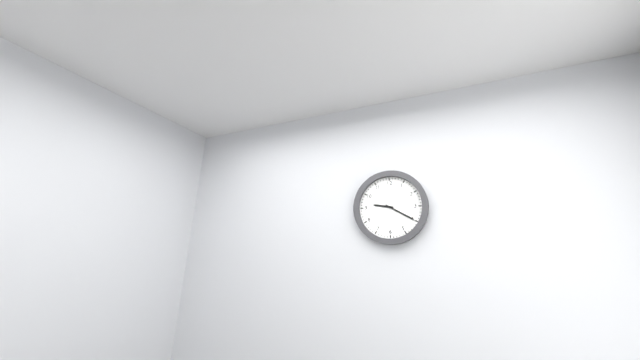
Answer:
9h20
